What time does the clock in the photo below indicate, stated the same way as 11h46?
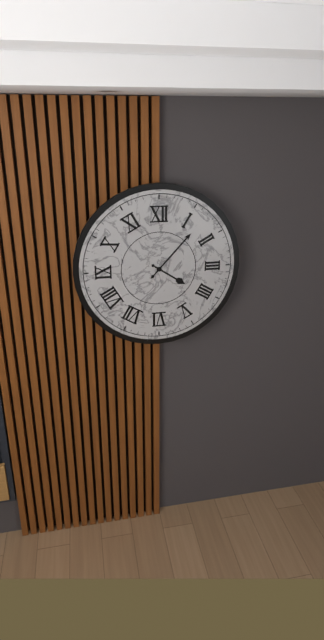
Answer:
4h07
